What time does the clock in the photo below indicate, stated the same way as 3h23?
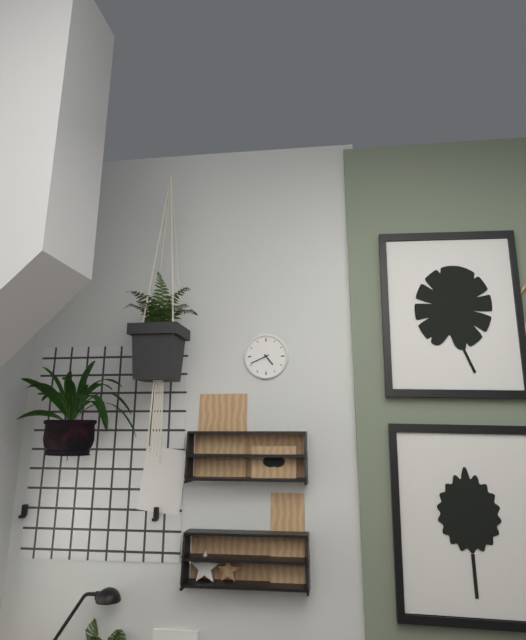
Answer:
4h41
